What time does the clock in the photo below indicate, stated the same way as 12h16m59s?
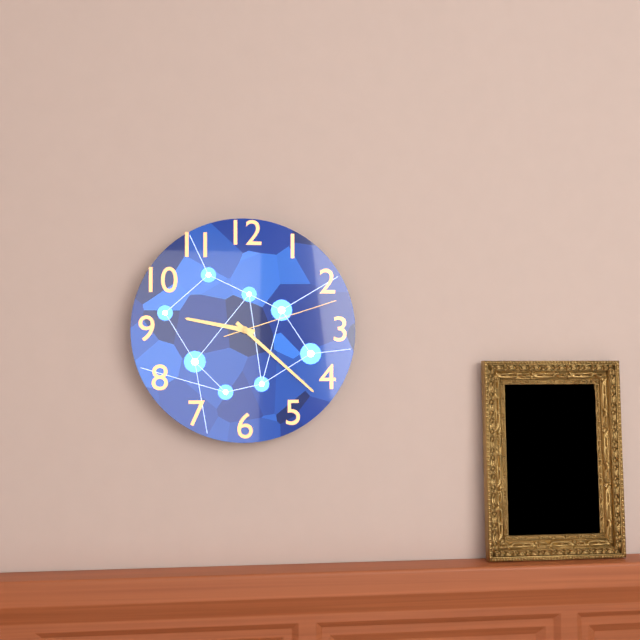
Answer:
9h22m12s
